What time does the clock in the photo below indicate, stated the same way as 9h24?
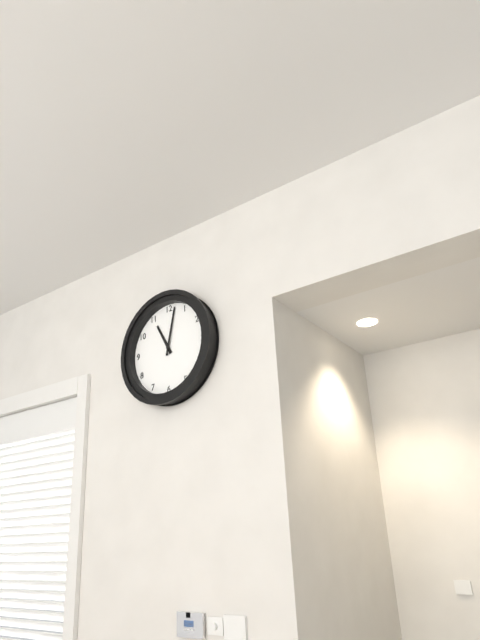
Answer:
11h02
